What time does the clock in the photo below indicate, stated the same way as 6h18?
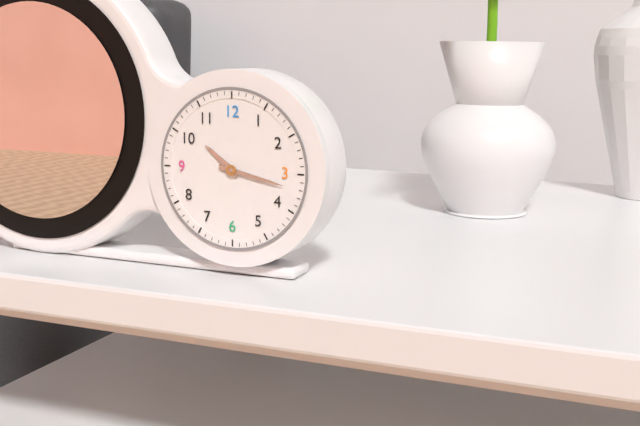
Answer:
10h17
